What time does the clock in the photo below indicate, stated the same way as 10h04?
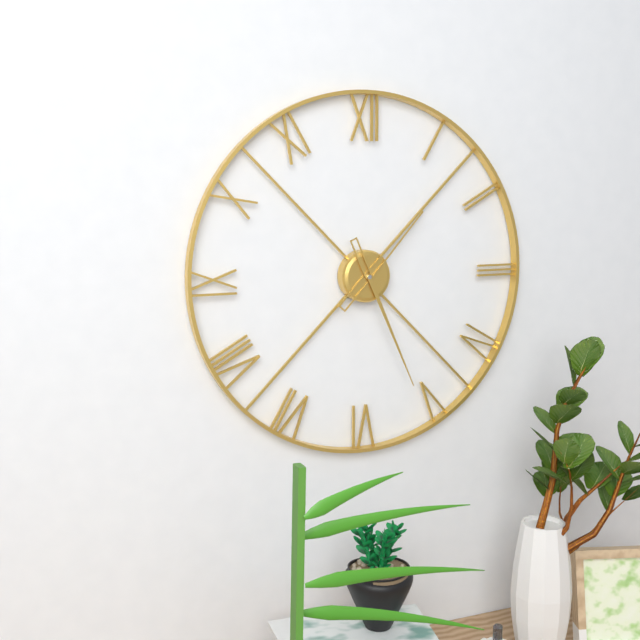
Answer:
1h26
